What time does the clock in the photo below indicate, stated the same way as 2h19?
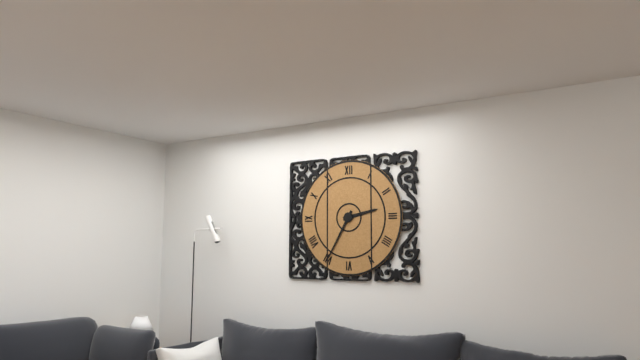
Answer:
2h35
